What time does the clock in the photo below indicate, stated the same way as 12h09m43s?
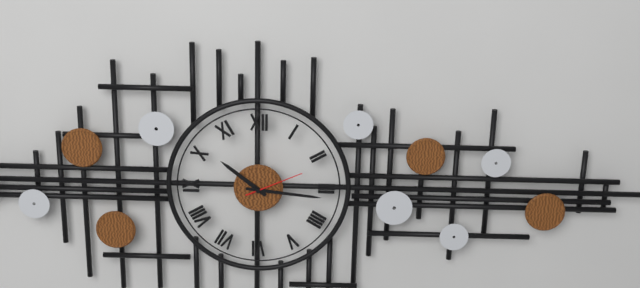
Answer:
10h16m11s
